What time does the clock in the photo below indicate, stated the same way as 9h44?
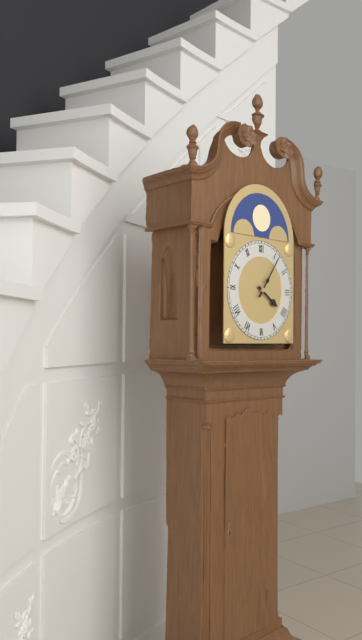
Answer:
4h06
